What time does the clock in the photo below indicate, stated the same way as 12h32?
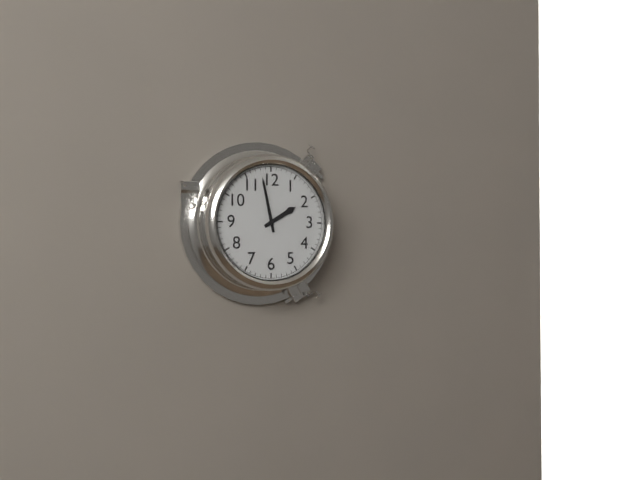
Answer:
1h58
